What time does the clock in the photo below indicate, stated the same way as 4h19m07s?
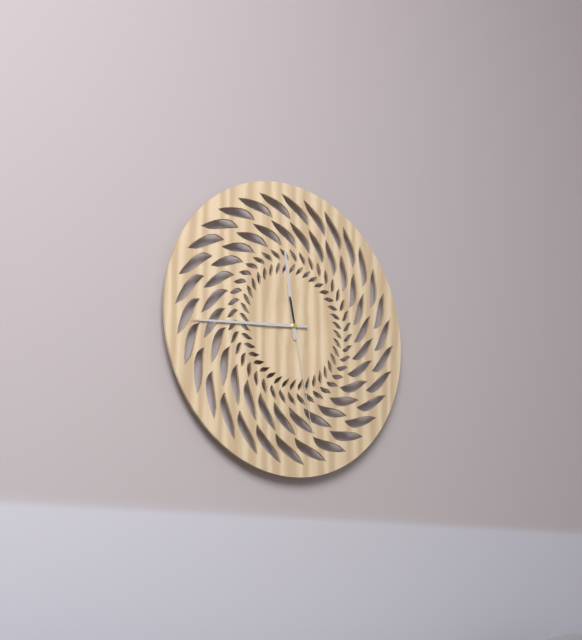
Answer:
11h44m28s
